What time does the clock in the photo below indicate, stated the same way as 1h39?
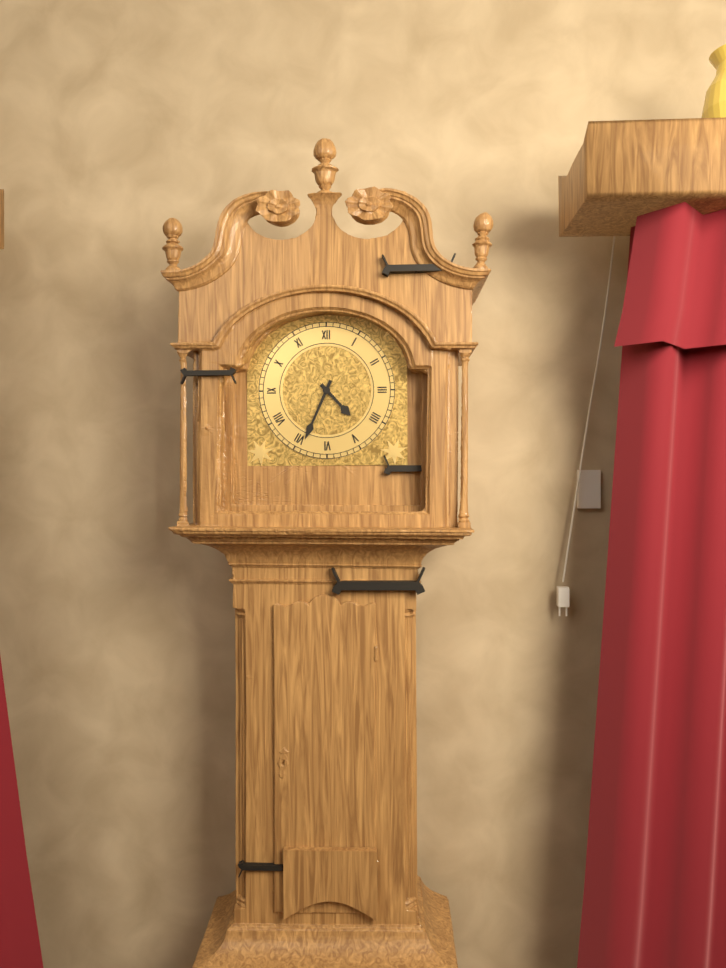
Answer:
4h34
